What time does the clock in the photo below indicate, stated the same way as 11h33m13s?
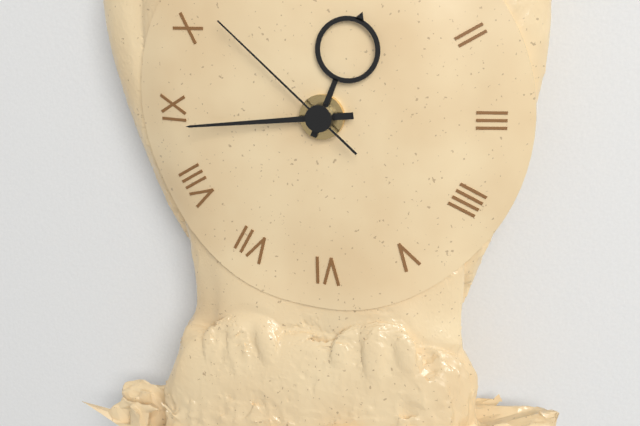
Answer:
12h44m52s
